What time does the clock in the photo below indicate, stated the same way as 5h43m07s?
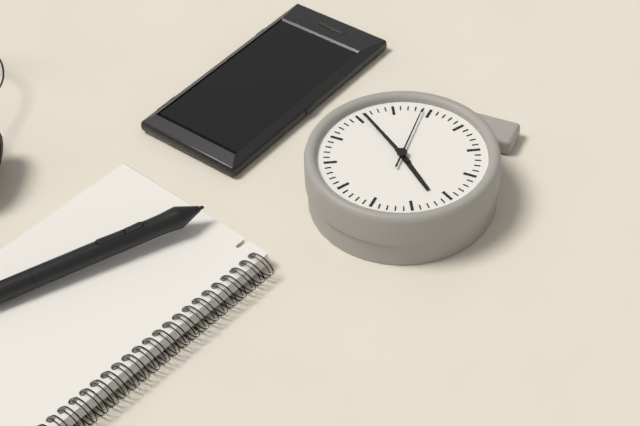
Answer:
10h21m29s
